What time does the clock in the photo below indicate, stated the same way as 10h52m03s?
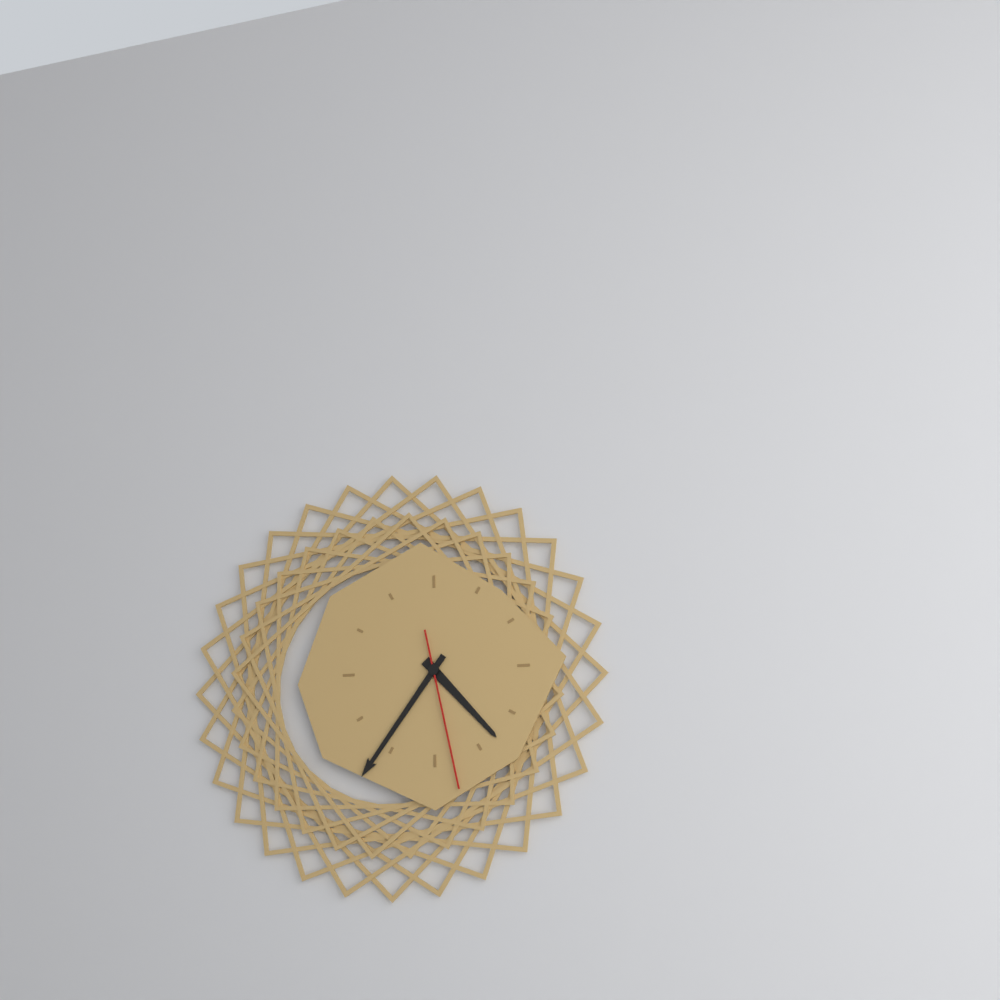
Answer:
4h36m28s
